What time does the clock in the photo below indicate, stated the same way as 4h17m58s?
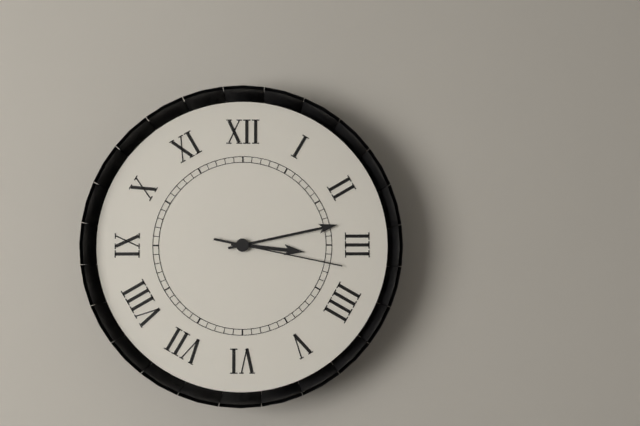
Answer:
3h13m17s
